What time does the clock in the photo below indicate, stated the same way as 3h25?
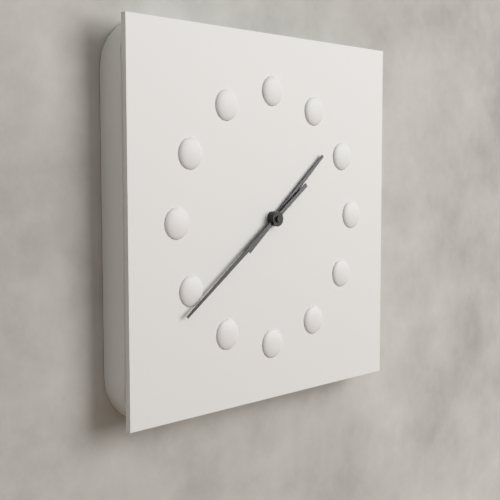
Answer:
1h39
